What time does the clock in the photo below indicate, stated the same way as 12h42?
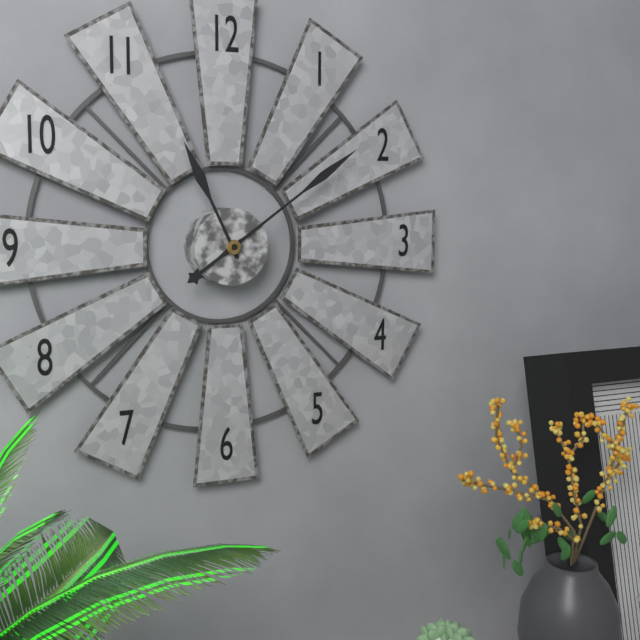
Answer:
11h09
